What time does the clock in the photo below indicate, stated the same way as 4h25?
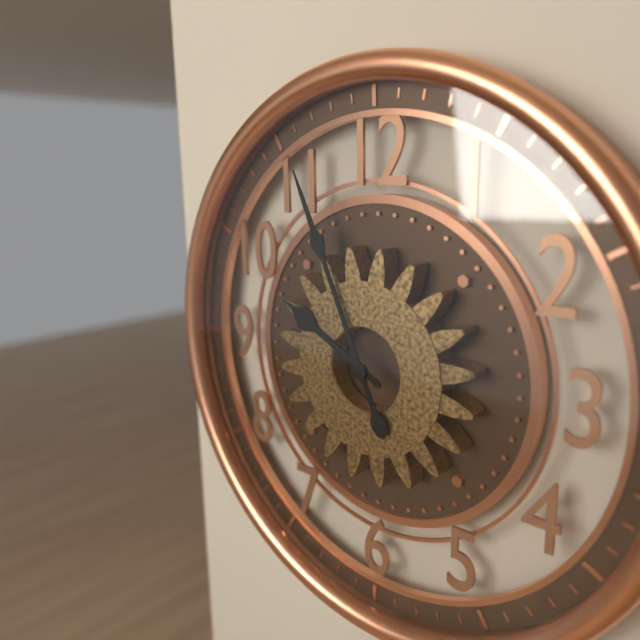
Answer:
9h56
